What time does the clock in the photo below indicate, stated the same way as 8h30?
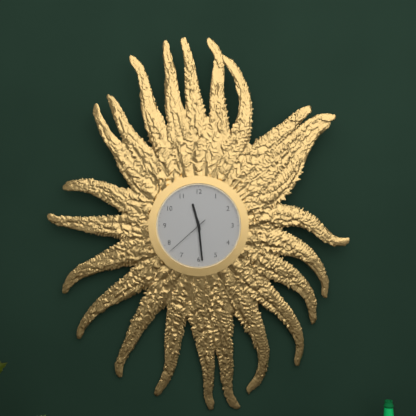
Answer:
11h29
